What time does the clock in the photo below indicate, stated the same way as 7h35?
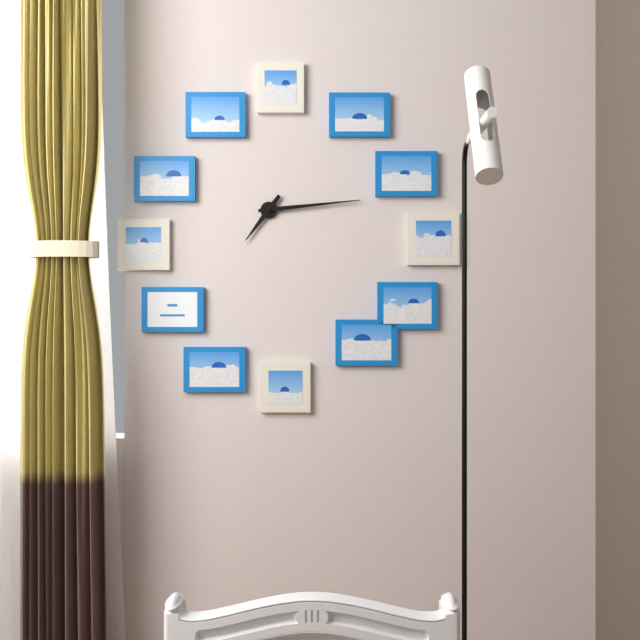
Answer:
7h14
